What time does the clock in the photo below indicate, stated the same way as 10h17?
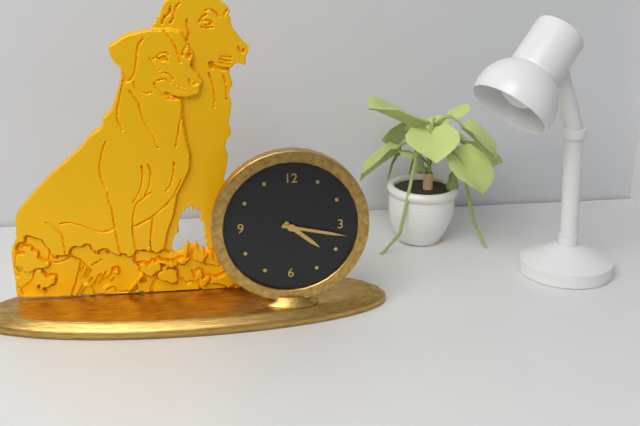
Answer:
4h17
